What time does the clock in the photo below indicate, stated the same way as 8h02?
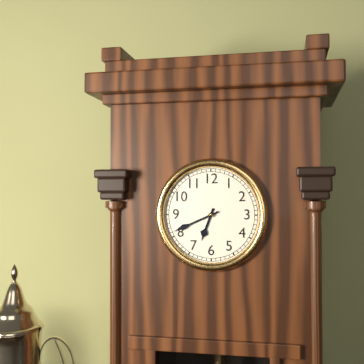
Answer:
6h41
